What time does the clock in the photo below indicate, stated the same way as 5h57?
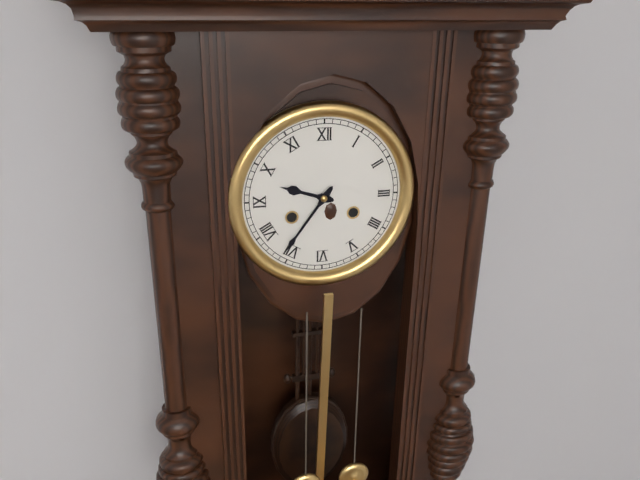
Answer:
9h36
